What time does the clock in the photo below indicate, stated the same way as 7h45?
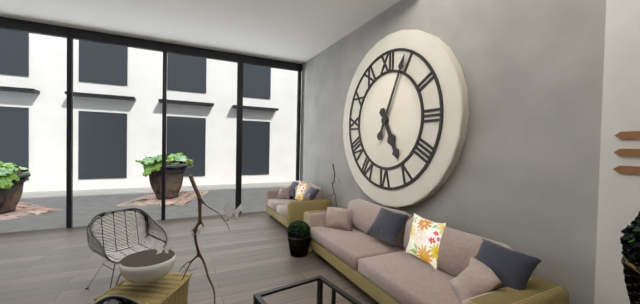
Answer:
5h04
